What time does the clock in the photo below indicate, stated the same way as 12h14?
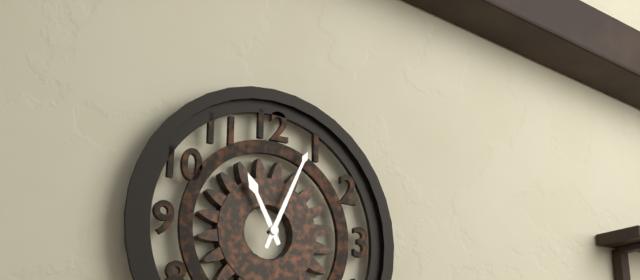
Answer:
11h04
